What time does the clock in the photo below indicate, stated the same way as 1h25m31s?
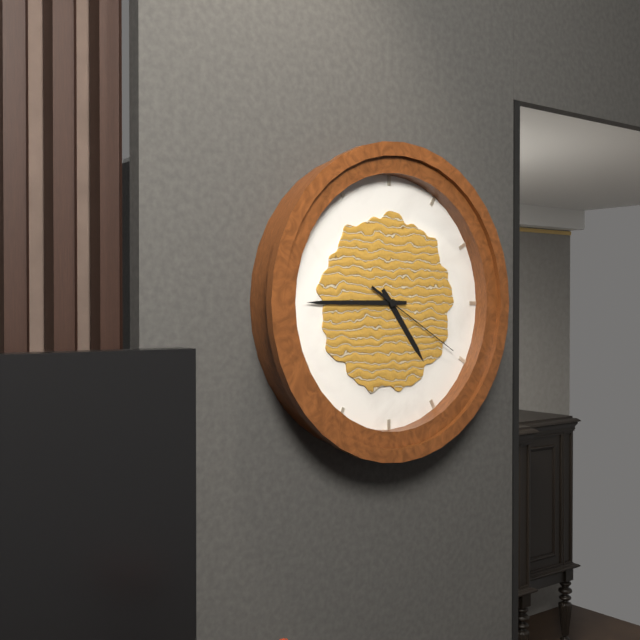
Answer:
4h45m20s
